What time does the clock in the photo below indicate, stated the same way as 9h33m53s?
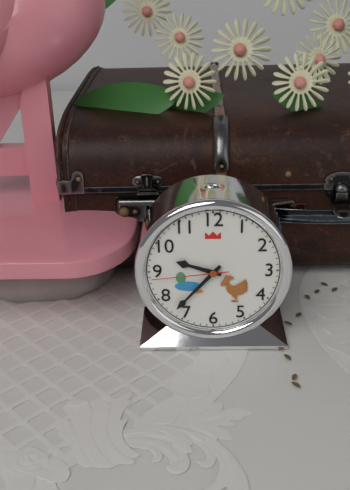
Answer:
9h37m44s
